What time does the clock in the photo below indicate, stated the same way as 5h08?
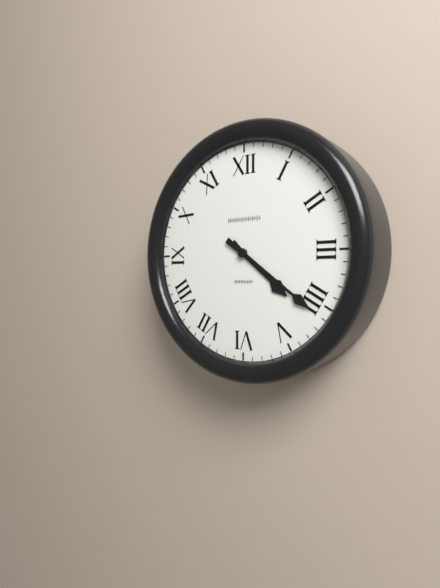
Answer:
4h21
